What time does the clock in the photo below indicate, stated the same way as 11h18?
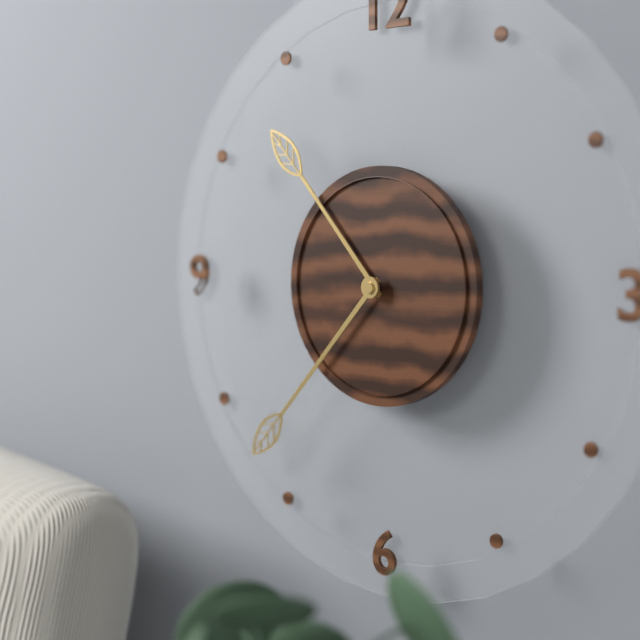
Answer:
10h37
